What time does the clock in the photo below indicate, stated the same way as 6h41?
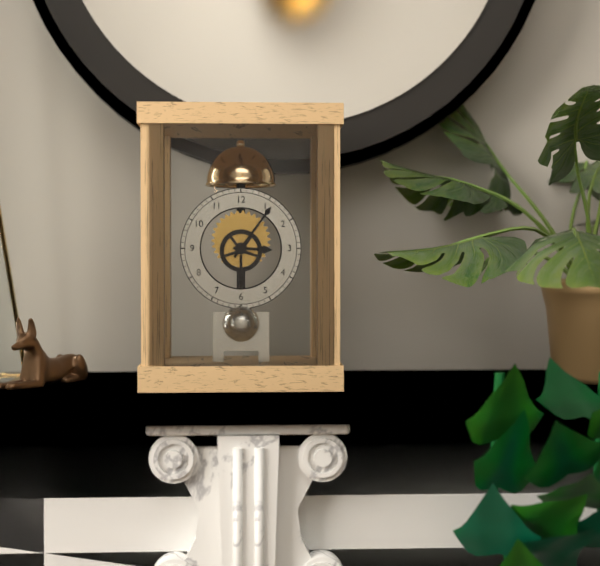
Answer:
3h06
